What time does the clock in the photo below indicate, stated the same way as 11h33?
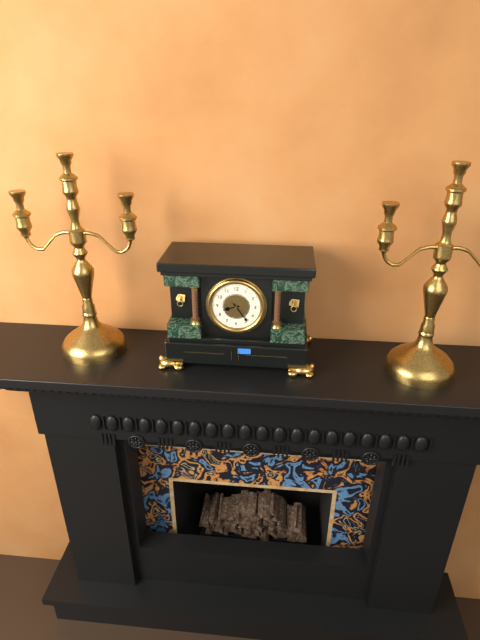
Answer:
8h24
